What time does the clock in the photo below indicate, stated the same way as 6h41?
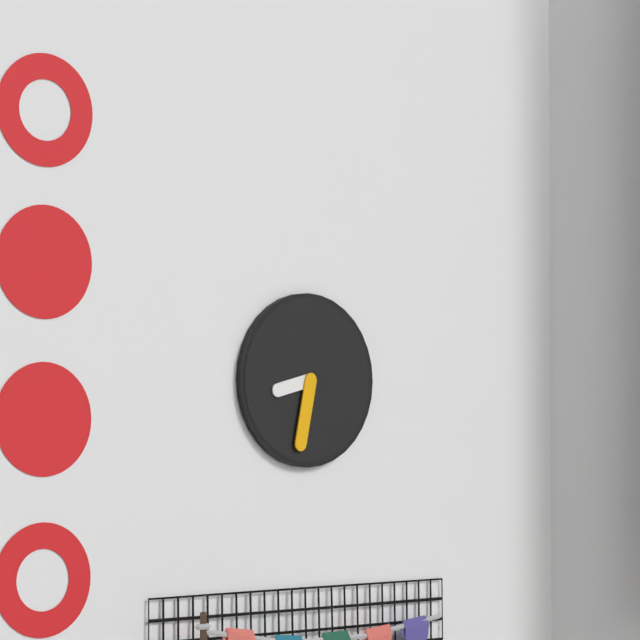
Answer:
8h32
